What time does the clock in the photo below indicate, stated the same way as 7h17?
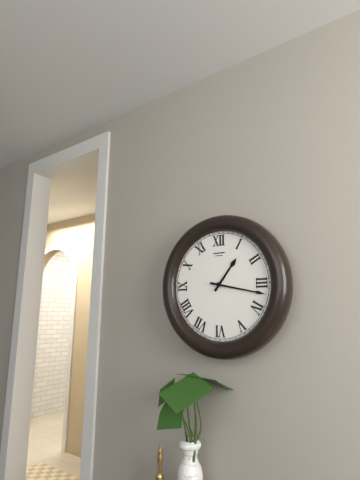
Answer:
1h17
